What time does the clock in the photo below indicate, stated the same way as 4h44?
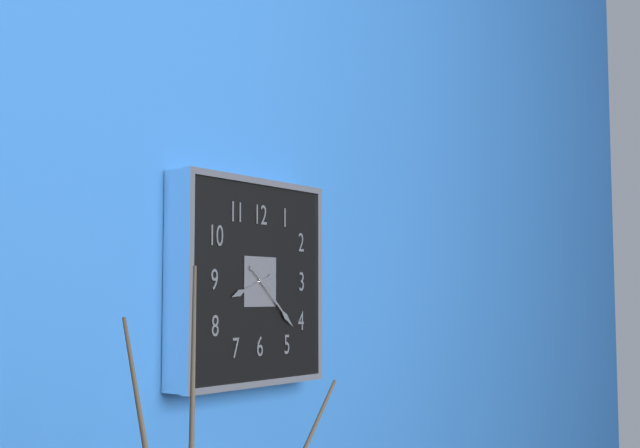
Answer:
8h22
